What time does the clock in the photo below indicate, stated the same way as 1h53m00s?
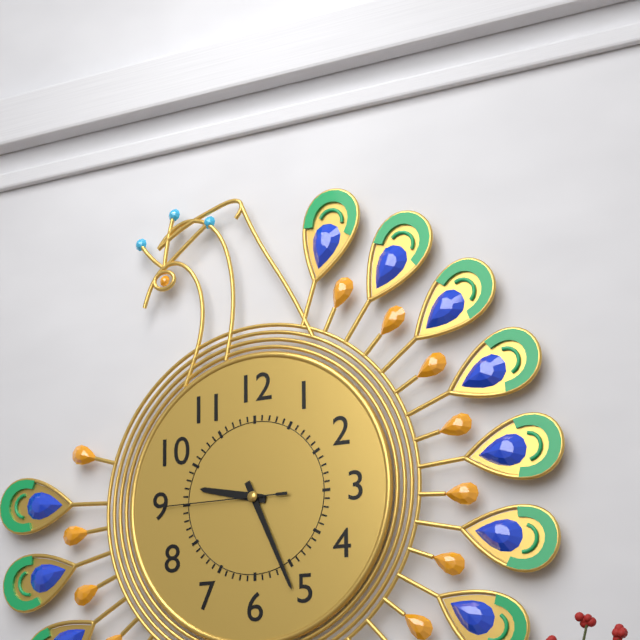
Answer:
9h26m45s
